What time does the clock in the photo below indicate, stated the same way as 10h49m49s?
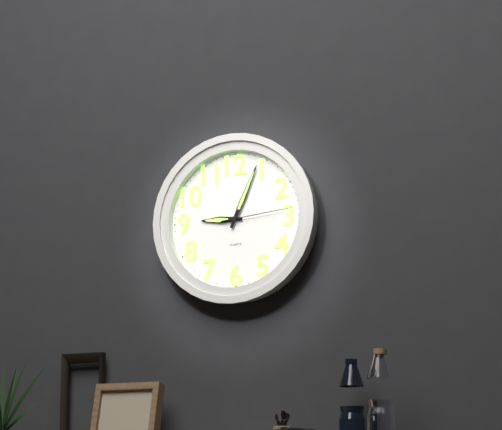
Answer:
9h04m14s
